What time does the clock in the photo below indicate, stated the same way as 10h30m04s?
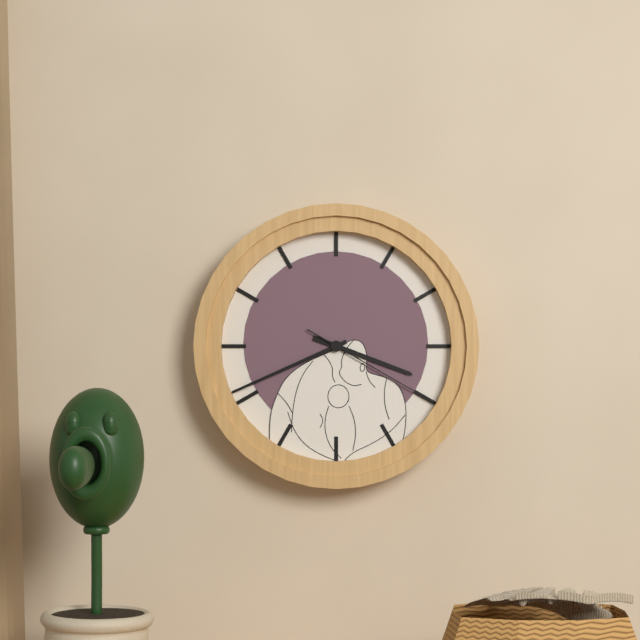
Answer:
3h41m20s
